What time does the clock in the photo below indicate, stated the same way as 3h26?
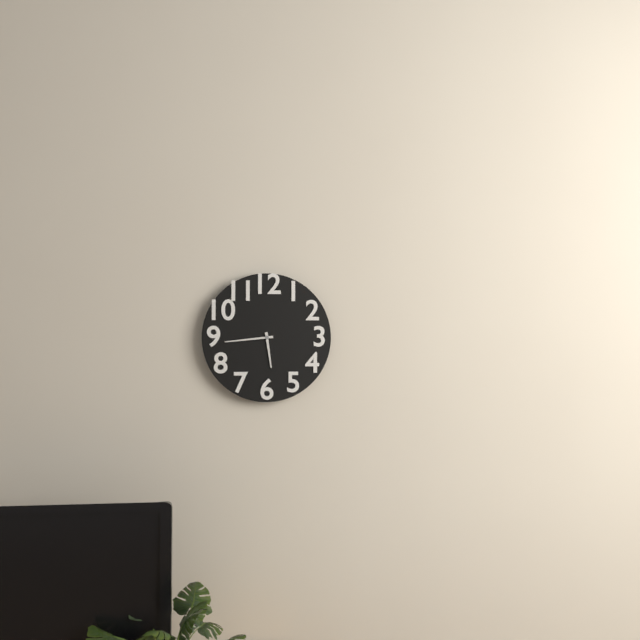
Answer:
5h44
